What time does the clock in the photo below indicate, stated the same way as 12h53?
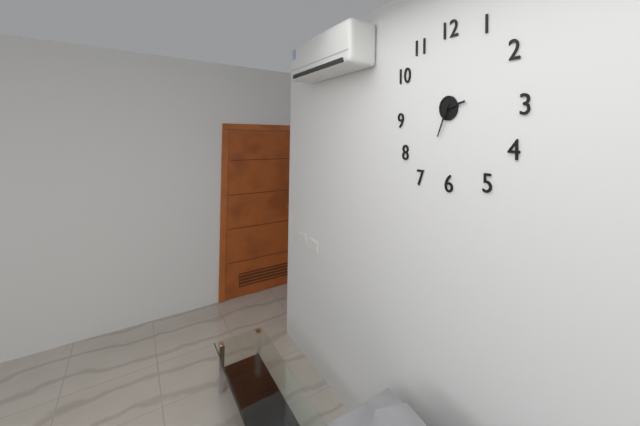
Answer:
2h34
